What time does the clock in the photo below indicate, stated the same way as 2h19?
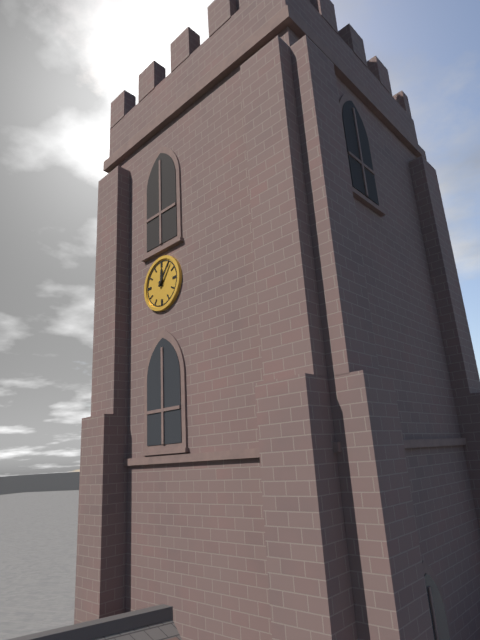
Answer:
12h06
